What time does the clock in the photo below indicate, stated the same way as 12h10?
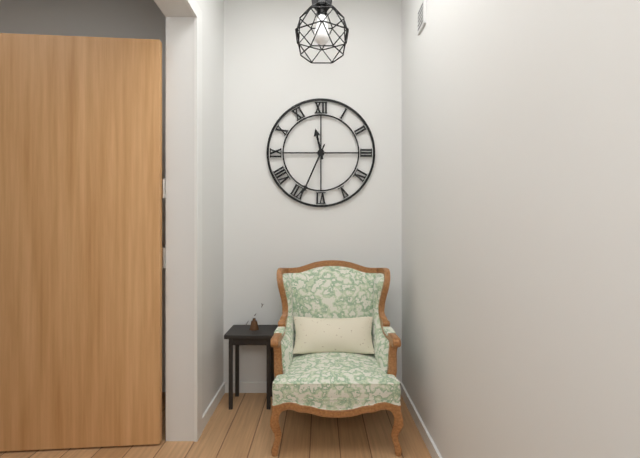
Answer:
11h34
